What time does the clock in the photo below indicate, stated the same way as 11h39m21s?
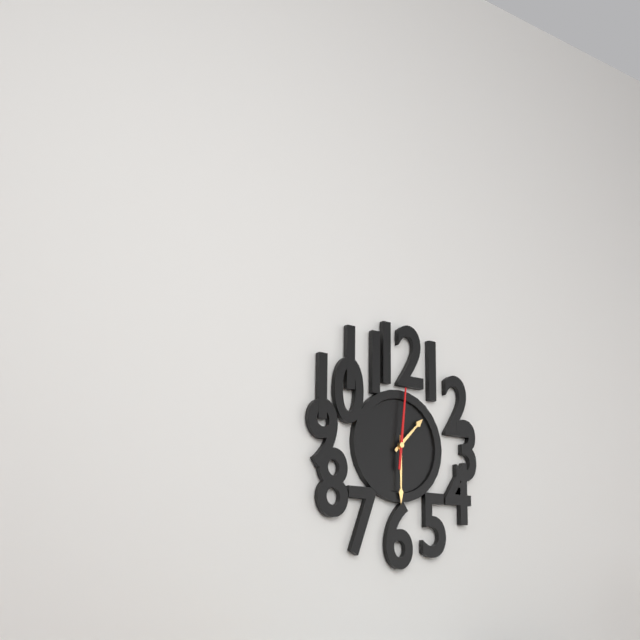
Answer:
1h30m01s
